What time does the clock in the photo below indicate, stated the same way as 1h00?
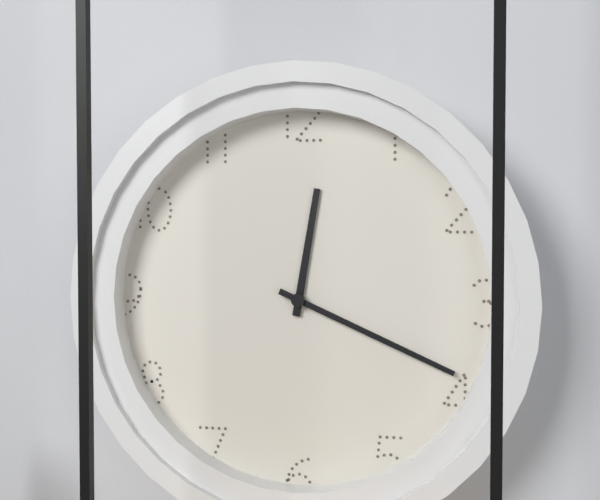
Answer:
12h19
